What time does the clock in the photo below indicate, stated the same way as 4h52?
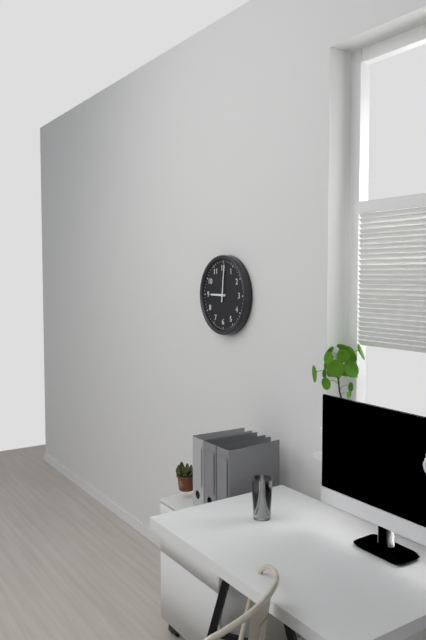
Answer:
9h01
